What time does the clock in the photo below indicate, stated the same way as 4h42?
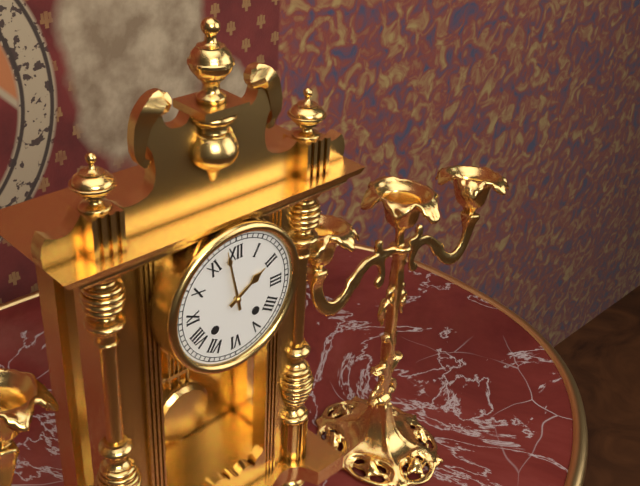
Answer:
1h58
